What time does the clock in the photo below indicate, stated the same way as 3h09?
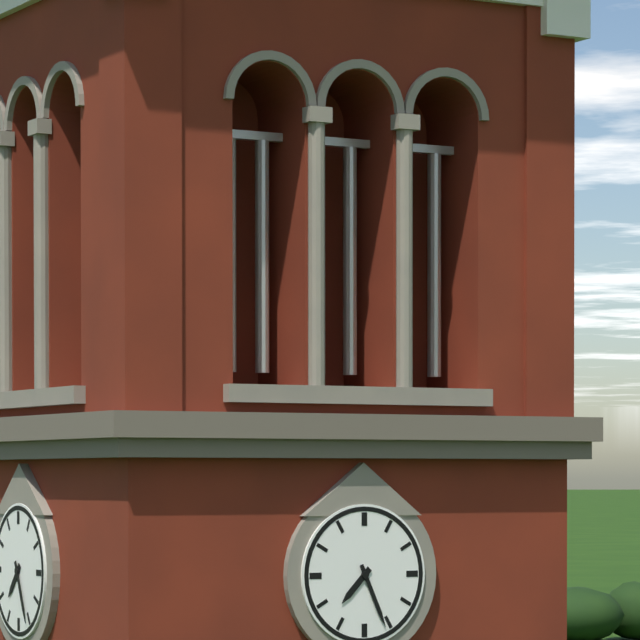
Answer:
7h26
